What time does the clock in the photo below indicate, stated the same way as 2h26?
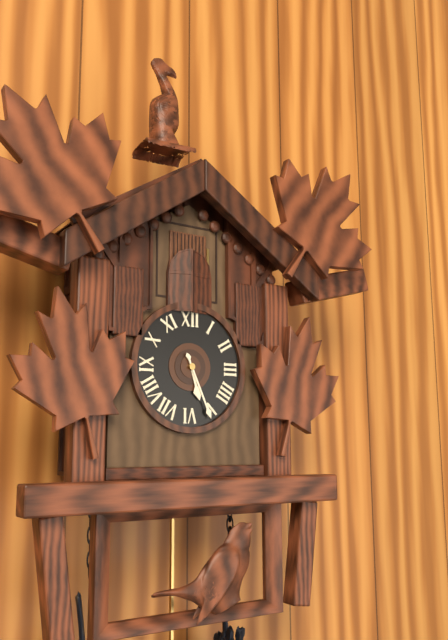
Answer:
5h26
